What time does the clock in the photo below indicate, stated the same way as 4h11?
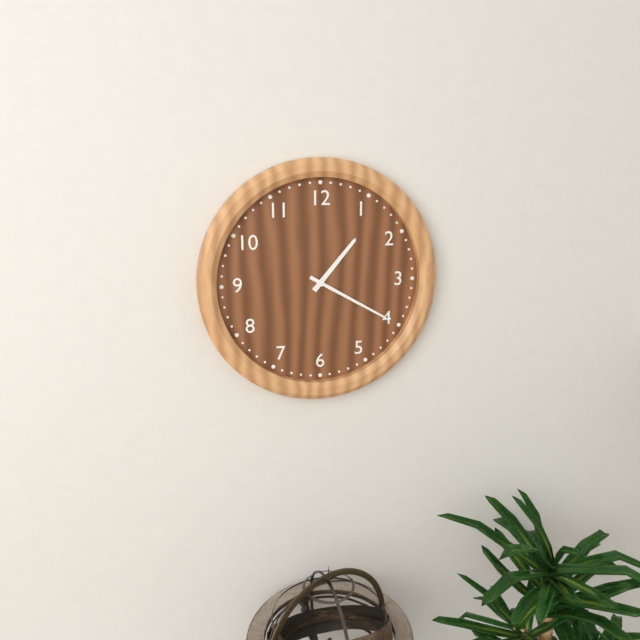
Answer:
1h20
